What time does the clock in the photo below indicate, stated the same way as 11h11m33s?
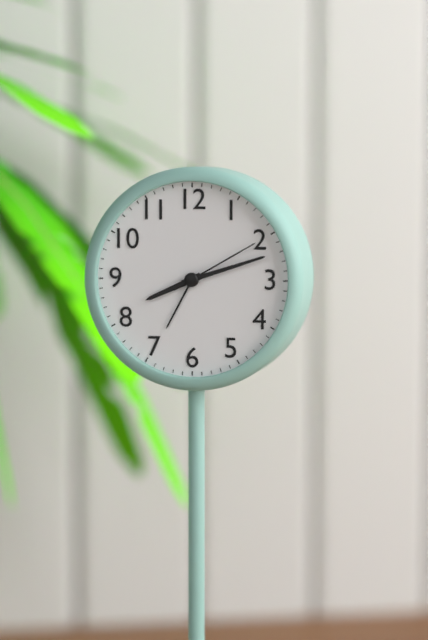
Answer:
8h12m10s
